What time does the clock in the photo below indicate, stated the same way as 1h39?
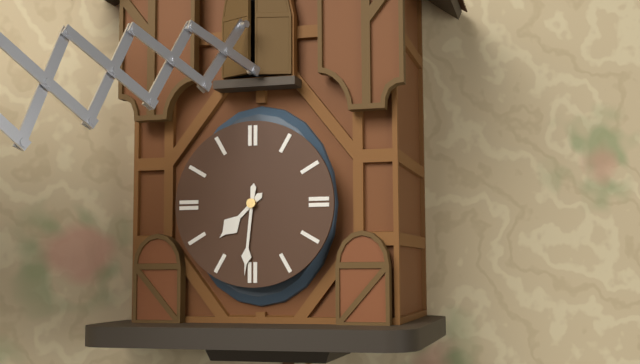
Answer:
7h31
